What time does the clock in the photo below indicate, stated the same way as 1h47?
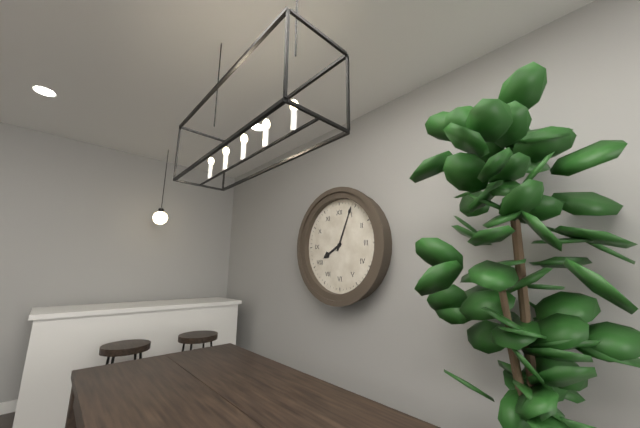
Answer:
8h04
